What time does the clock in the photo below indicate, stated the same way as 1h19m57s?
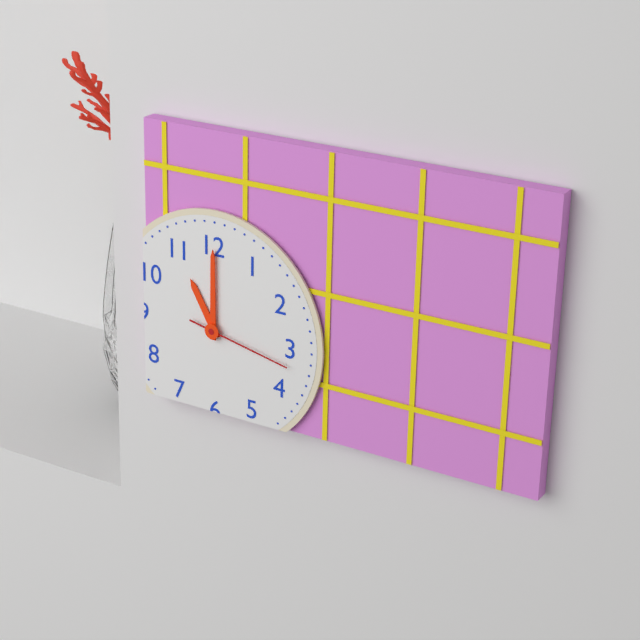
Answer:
11h00m17s
